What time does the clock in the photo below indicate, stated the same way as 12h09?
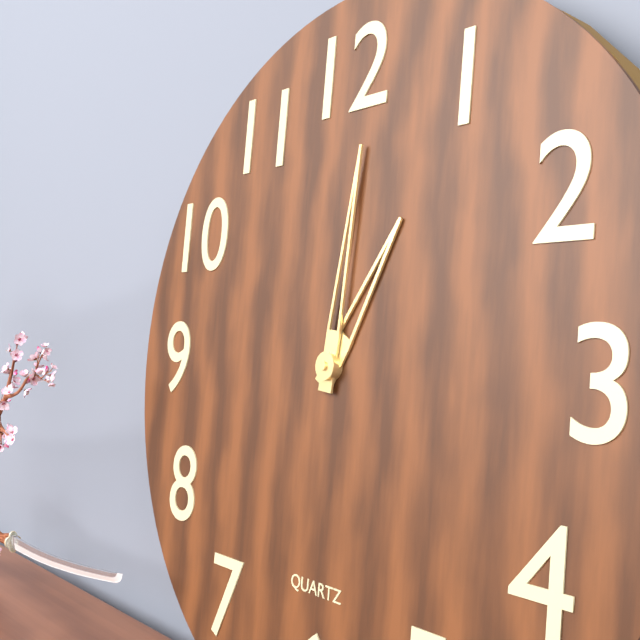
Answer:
1h01
